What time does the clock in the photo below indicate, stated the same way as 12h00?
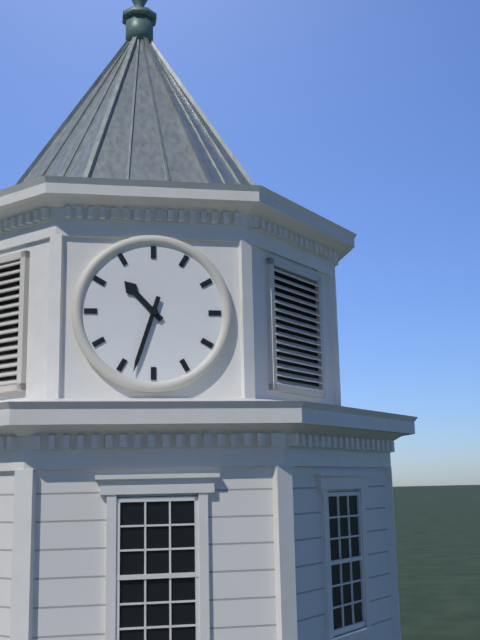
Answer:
10h33
